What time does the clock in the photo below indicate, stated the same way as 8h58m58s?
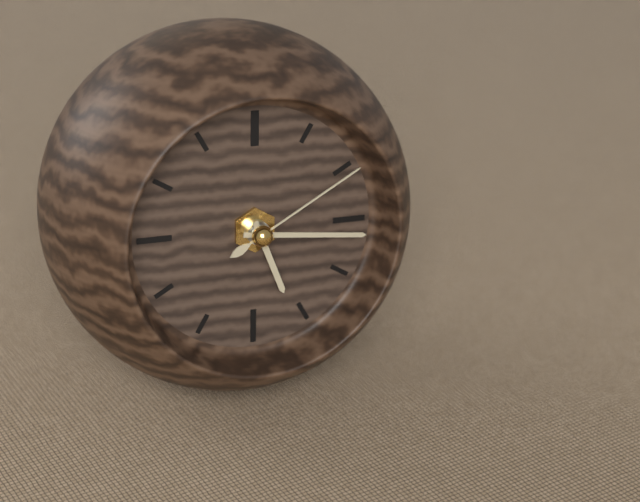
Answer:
5h16m10s
